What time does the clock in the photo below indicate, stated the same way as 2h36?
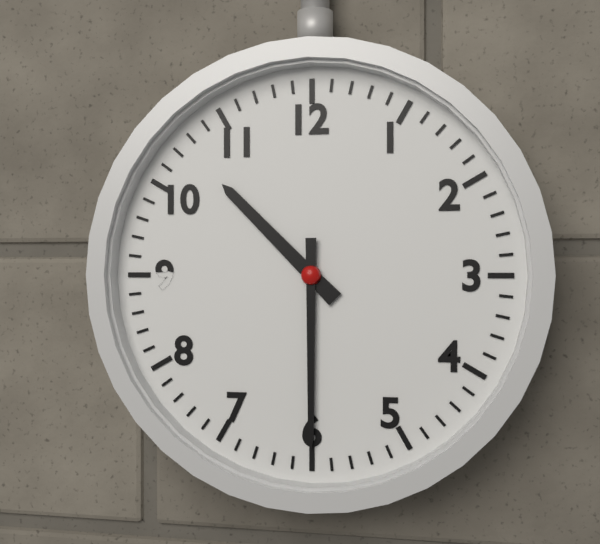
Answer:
10h30
